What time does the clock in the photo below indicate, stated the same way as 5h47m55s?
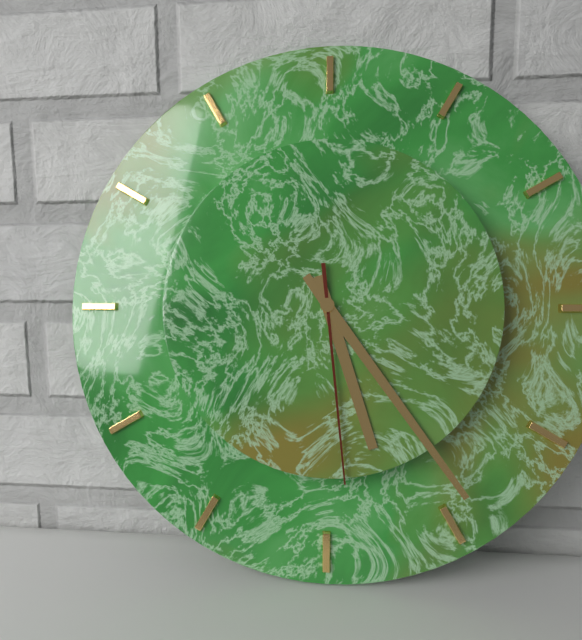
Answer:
5h24m29s
